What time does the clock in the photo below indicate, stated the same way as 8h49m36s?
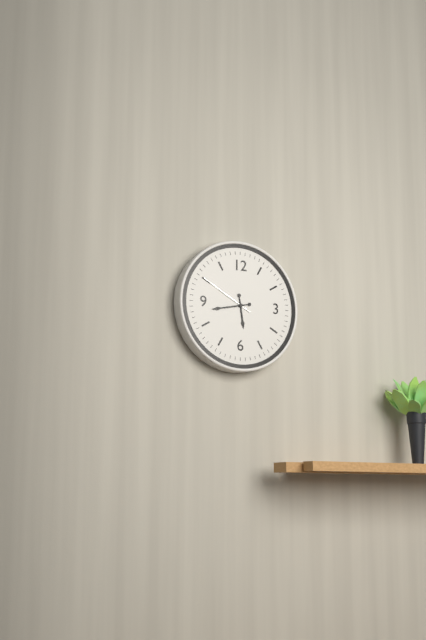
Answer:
5h43m50s
